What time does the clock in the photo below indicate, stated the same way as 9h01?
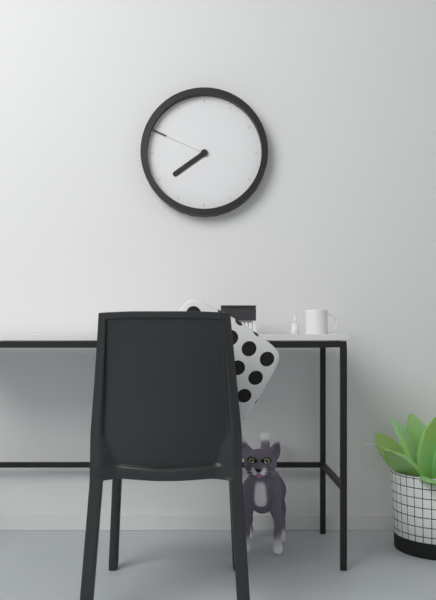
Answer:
7h49
